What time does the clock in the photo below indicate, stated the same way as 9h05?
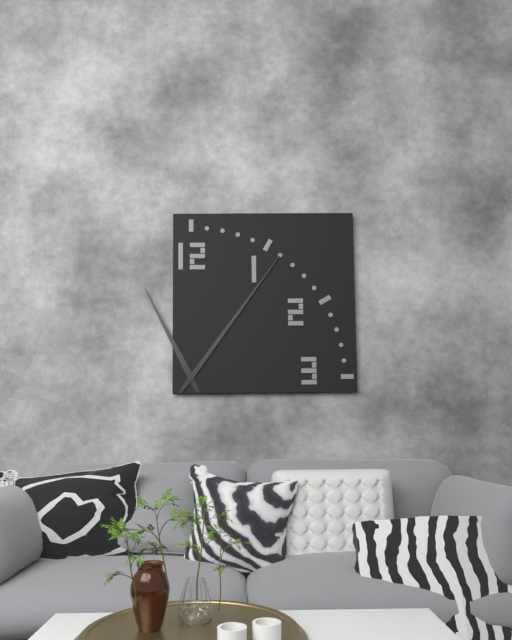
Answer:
11h06
